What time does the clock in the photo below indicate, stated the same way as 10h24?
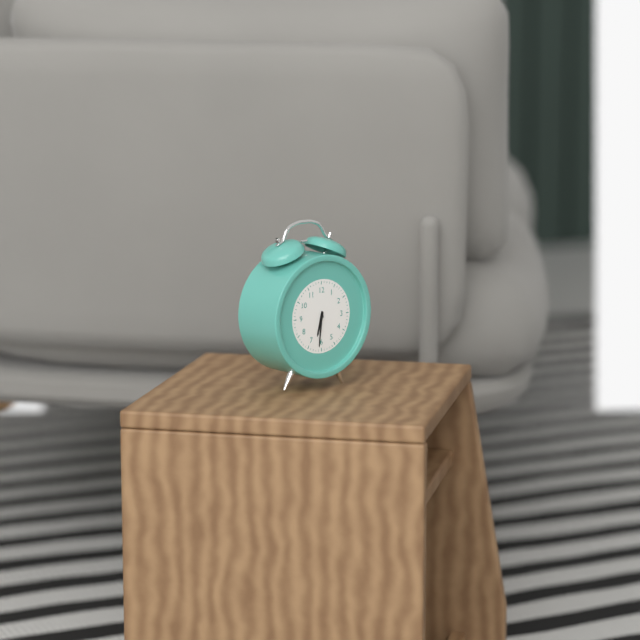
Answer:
6h31
